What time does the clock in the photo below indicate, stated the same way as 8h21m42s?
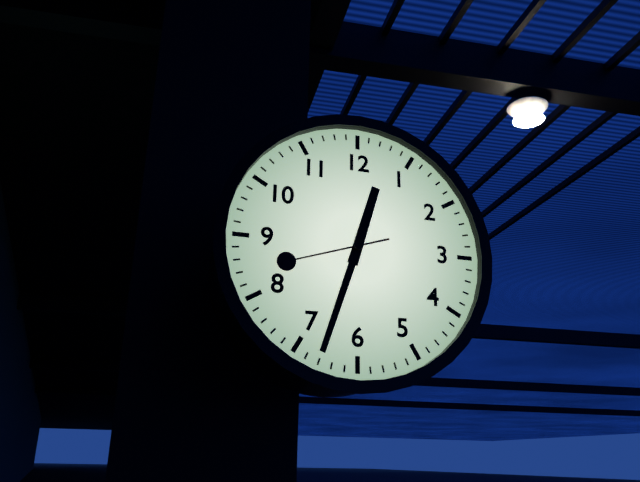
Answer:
12h33m42s
